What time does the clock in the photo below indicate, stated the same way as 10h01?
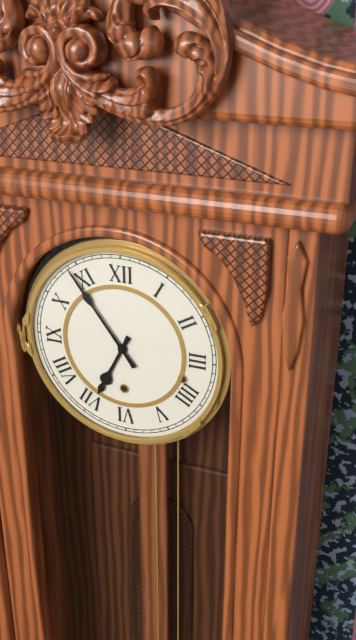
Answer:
6h54
